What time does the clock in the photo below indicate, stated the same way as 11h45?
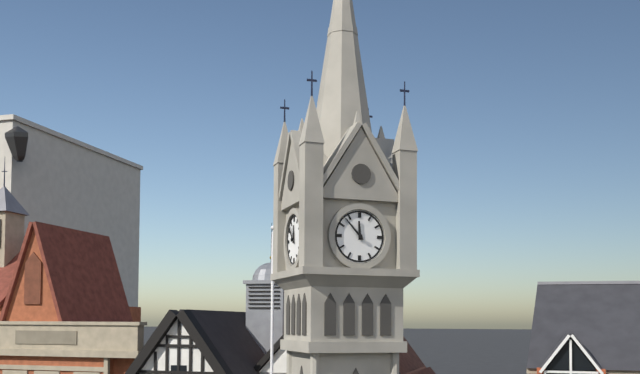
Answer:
11h53
